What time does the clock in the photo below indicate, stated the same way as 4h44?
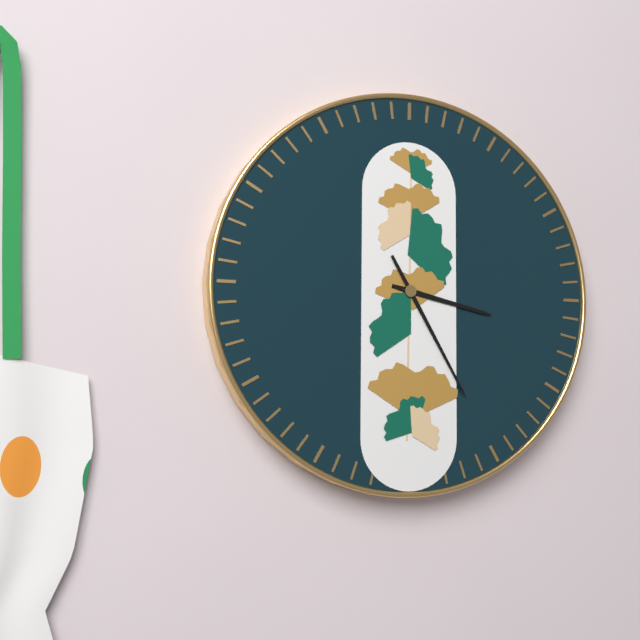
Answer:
3h25
